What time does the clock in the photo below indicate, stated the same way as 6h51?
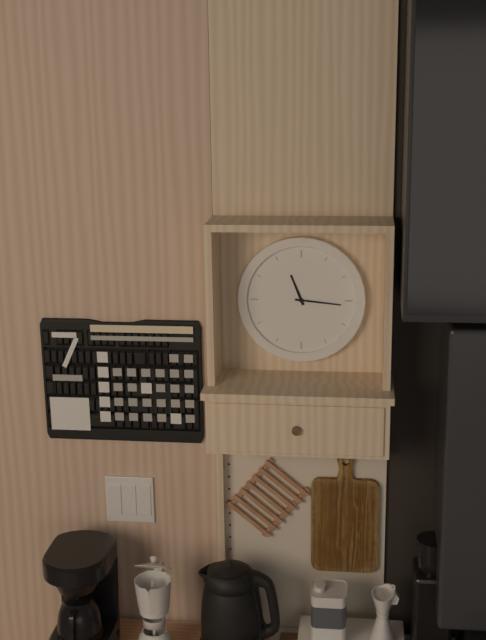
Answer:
11h16
